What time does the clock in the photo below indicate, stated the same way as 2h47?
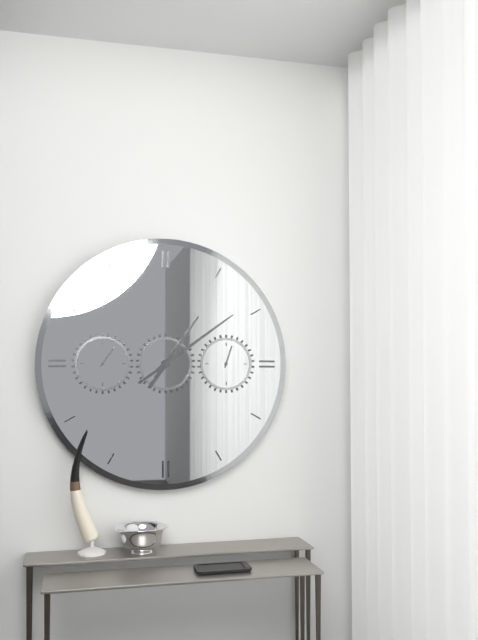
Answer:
1h09
